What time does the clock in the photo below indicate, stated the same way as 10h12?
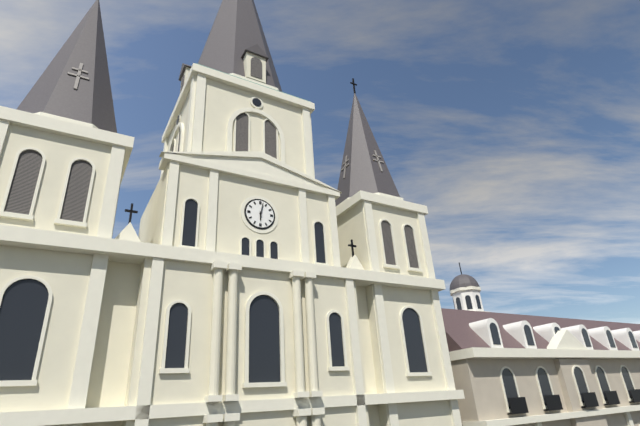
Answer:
6h02
